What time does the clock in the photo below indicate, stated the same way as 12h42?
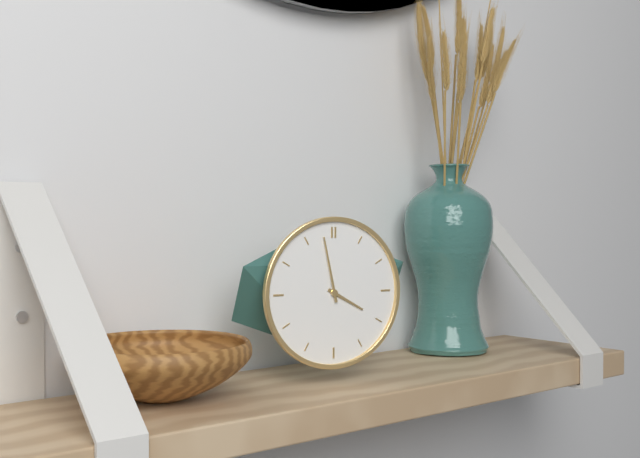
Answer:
3h58
